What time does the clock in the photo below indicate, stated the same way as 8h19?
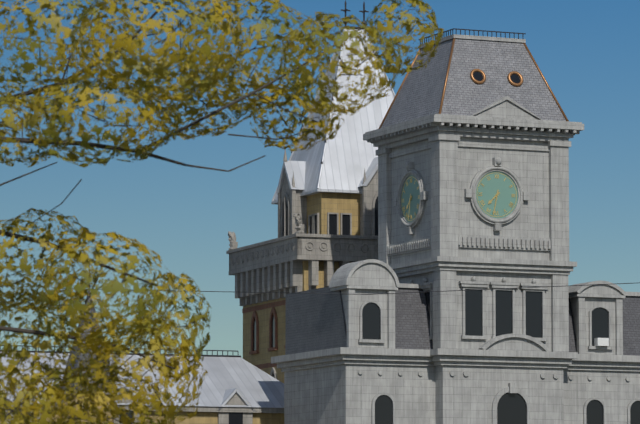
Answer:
7h32
